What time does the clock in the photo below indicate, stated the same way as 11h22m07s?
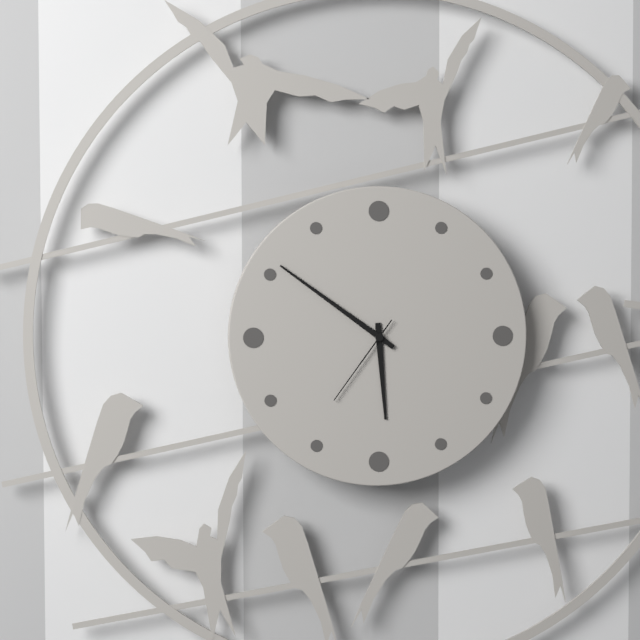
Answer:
5h51m36s
